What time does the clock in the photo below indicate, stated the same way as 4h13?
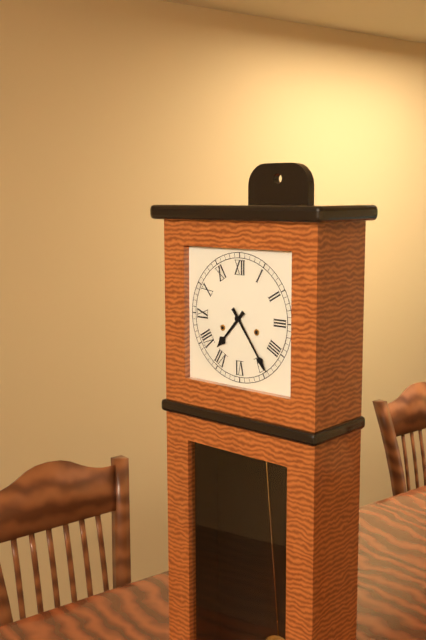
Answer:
7h24
